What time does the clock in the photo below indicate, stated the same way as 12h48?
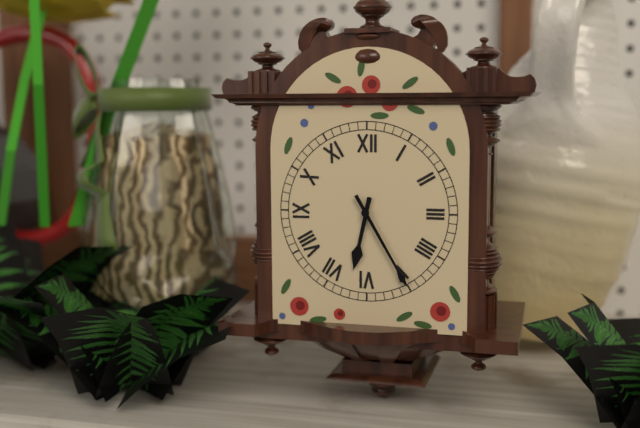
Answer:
6h25
